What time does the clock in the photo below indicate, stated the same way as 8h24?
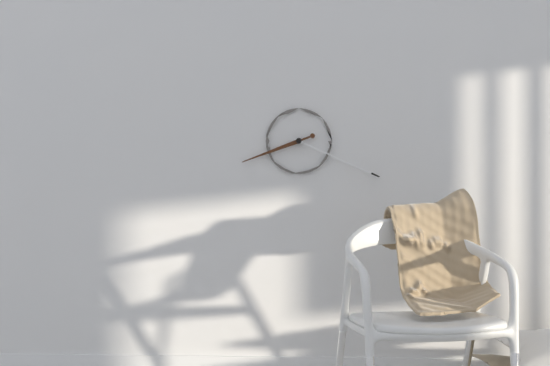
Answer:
8h19
